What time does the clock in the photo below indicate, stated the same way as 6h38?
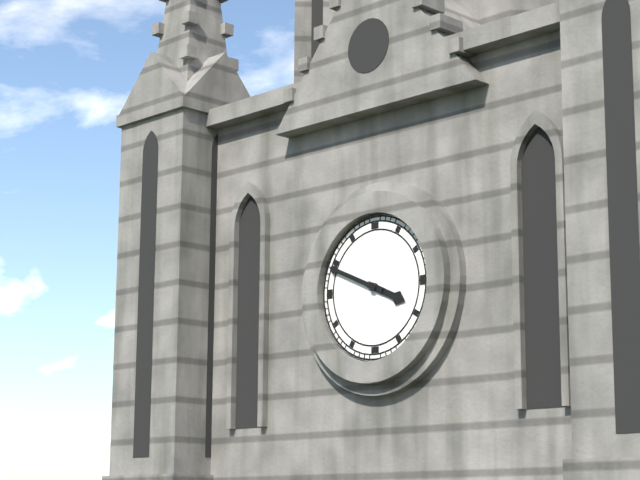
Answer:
3h49
